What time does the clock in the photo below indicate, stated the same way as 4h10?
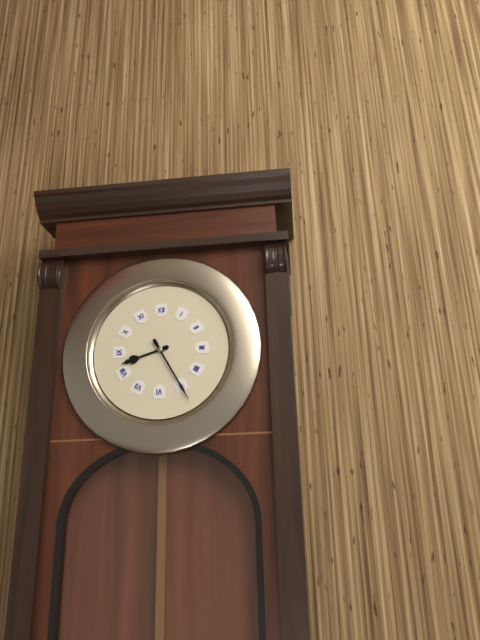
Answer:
8h25
